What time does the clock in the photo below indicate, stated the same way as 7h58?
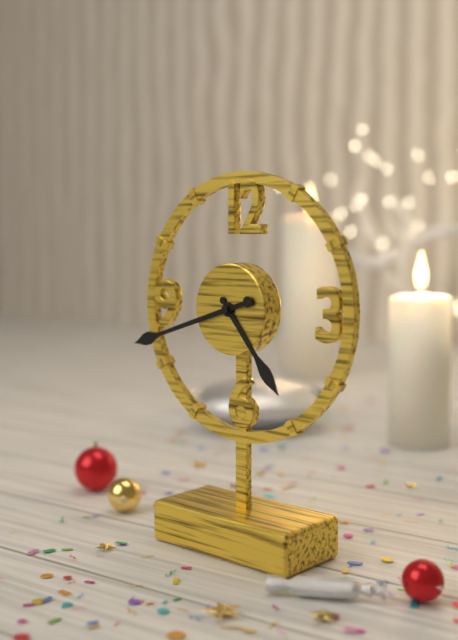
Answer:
4h42
